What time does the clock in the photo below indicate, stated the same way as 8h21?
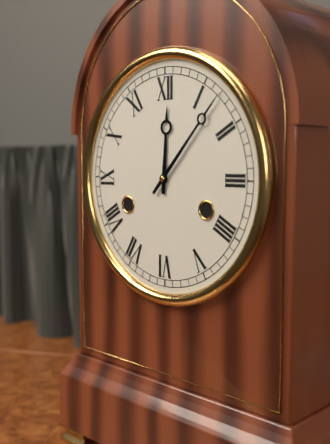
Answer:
12h07
